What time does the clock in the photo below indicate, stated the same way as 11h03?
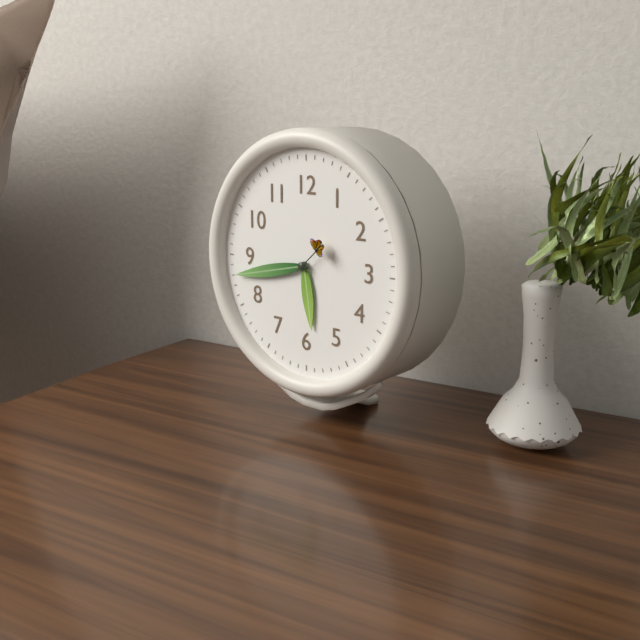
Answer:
5h43
